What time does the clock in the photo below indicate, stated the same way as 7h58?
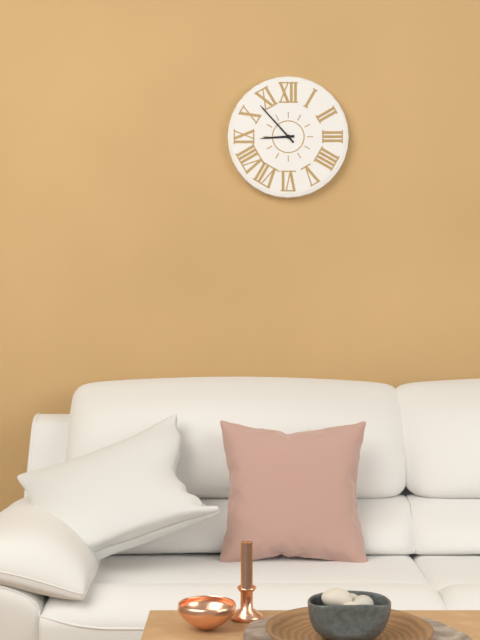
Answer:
8h53
